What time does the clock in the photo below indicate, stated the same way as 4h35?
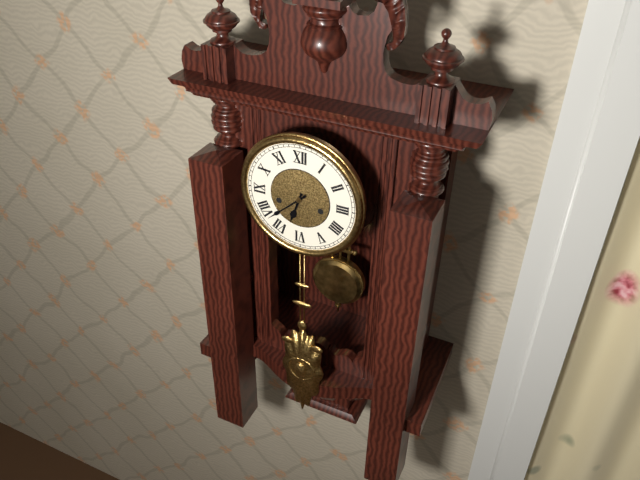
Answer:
6h38
